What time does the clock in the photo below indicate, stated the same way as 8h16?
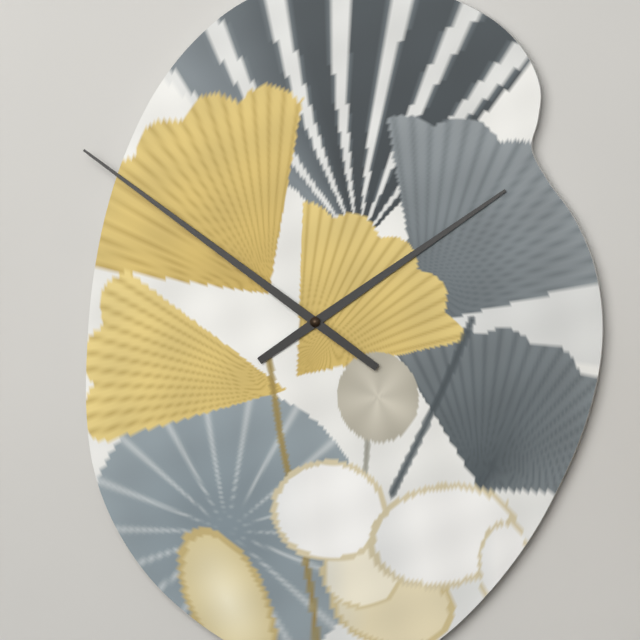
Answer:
1h51
